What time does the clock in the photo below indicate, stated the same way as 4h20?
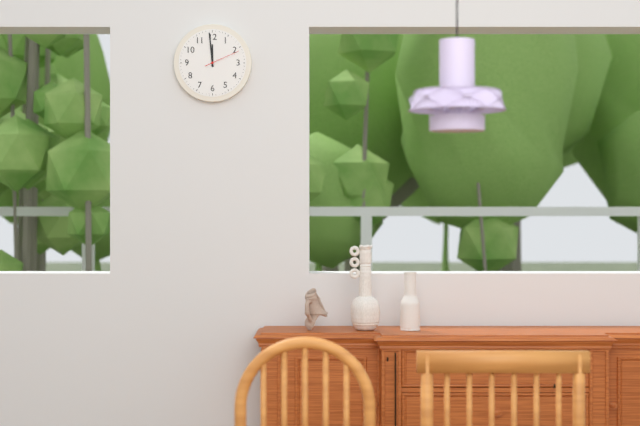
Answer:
11h59
